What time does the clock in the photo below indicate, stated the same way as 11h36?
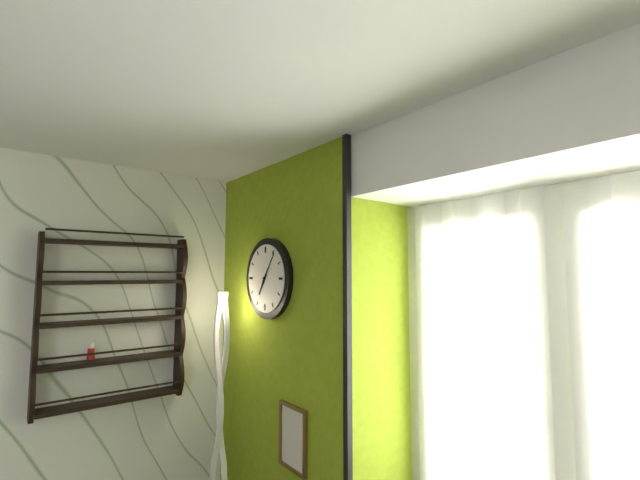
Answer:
7h06
